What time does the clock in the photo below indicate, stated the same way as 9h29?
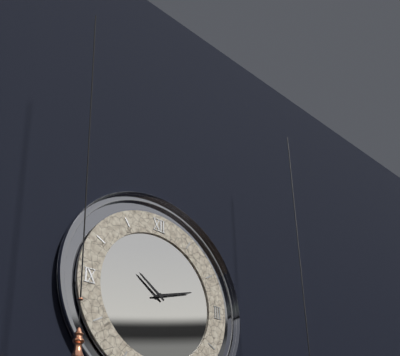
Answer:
10h12
